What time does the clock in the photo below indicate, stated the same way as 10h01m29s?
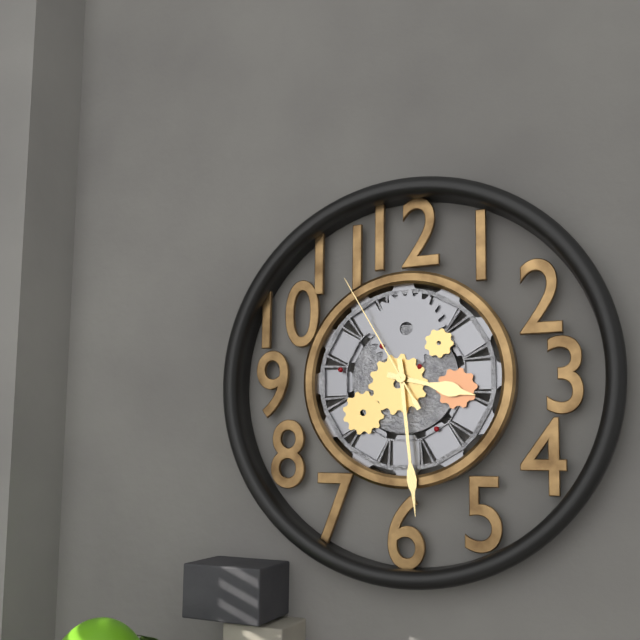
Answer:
3h29m55s
